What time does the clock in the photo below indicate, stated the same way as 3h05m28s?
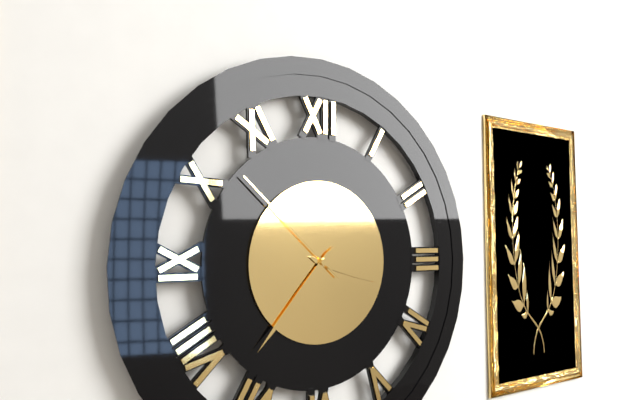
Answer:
3h37m52s
